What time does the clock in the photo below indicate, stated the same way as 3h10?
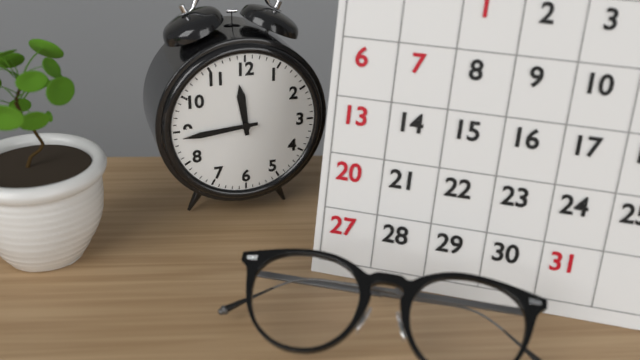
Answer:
11h44
